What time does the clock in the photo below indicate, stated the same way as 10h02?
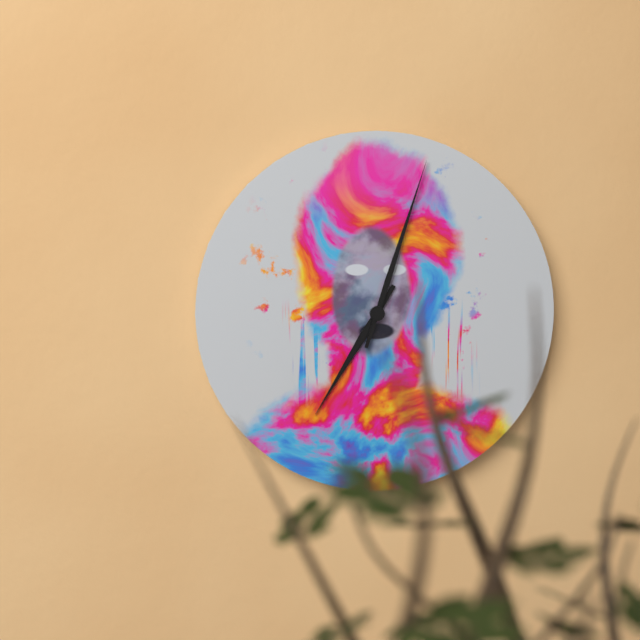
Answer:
7h03
